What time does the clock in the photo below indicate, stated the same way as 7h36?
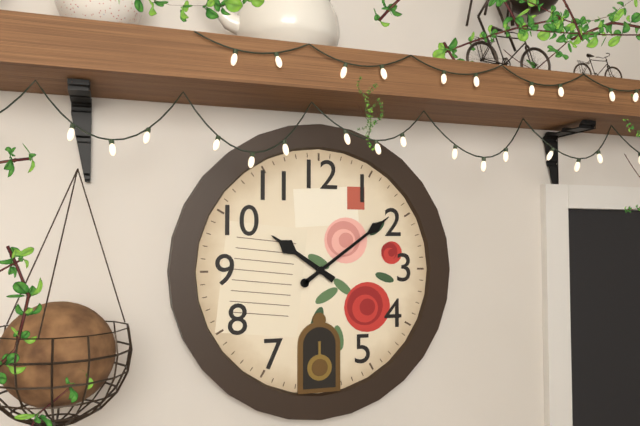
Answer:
10h09
